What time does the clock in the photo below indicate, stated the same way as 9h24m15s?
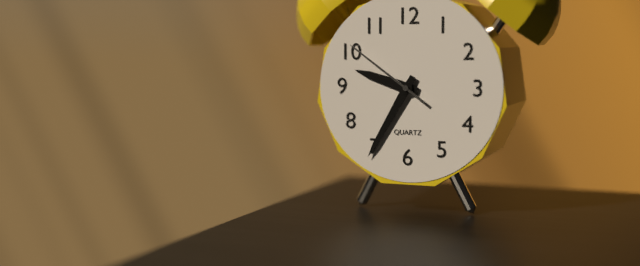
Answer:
9h35m51s
